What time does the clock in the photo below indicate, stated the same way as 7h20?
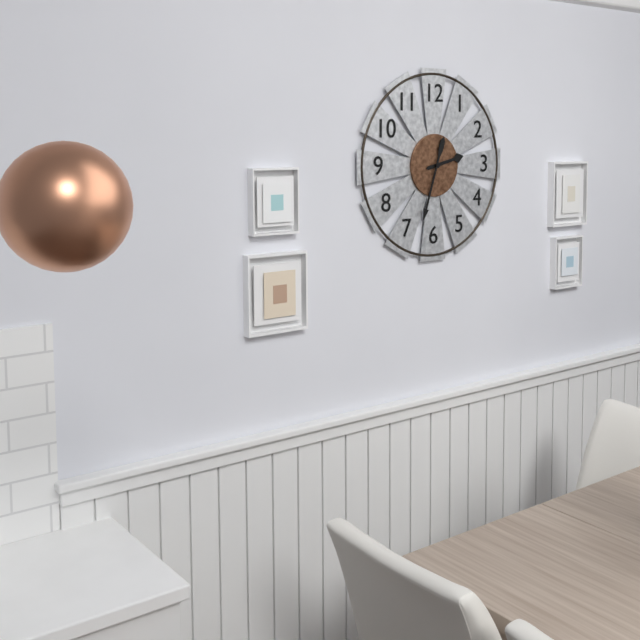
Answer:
2h33
